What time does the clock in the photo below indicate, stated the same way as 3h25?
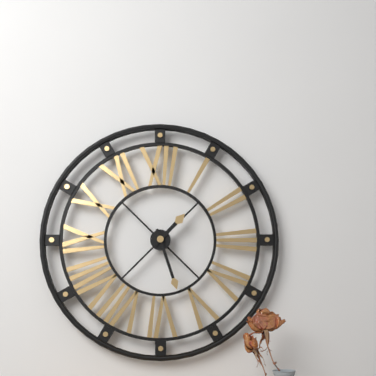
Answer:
1h27
